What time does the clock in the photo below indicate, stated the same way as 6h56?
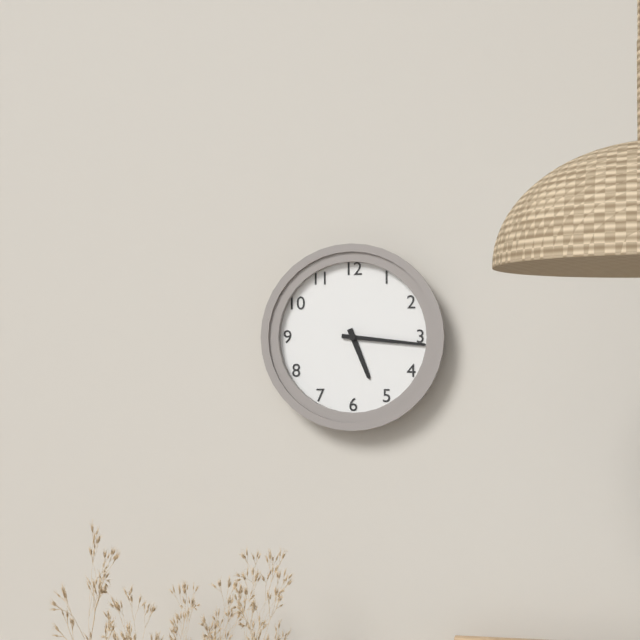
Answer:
5h16
